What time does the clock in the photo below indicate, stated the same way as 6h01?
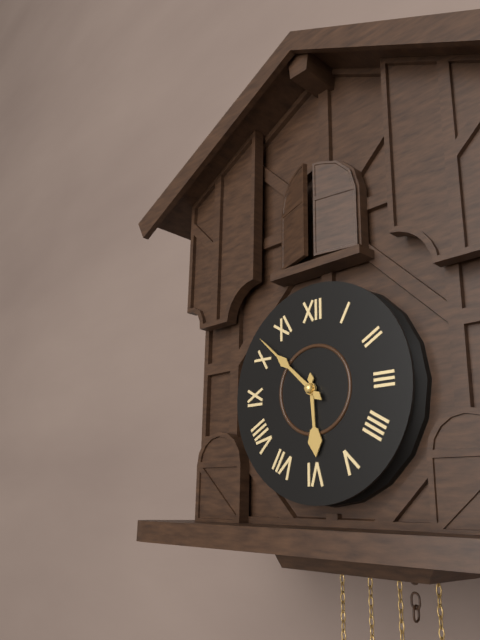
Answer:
5h52
